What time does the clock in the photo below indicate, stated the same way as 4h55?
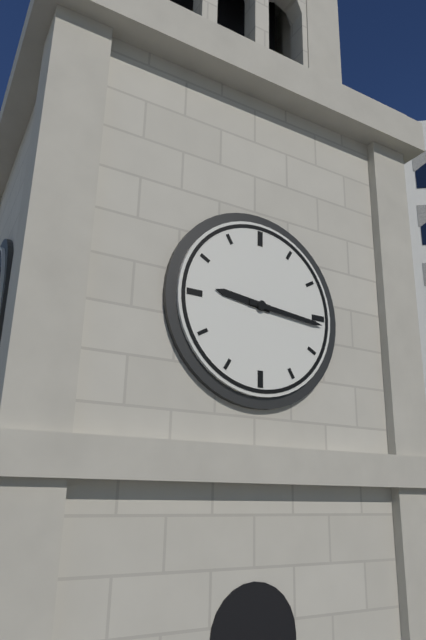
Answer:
9h16
